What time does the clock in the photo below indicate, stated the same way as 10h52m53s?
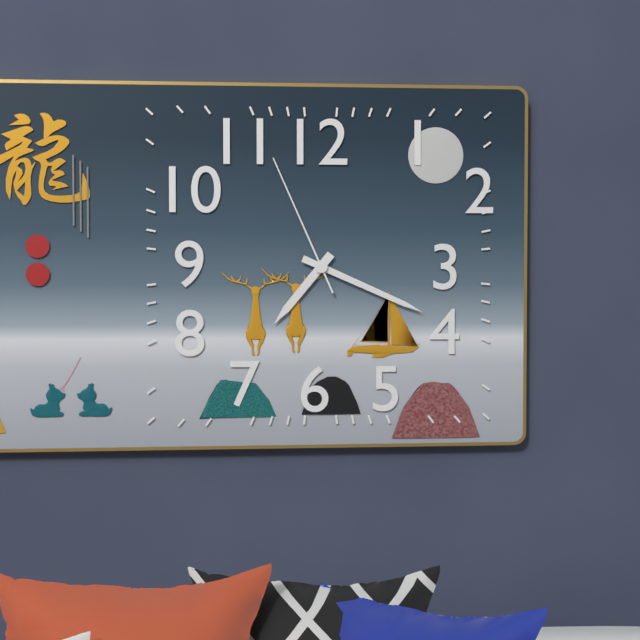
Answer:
7h19m56s
